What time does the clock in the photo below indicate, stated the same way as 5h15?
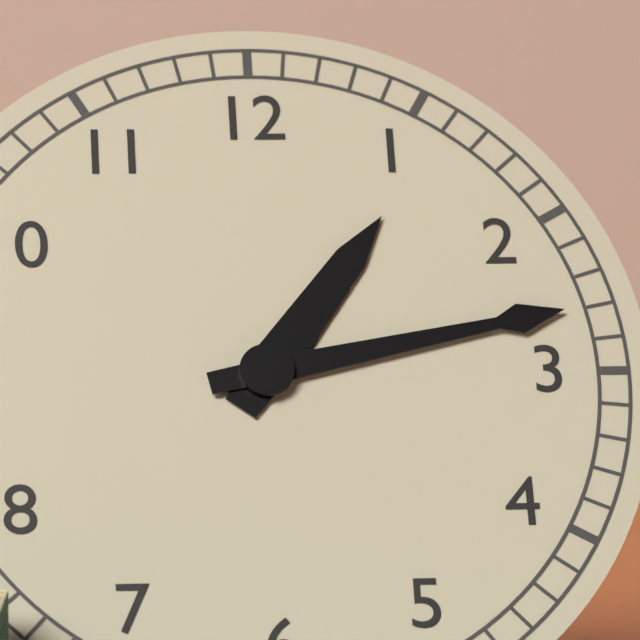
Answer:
1h13
